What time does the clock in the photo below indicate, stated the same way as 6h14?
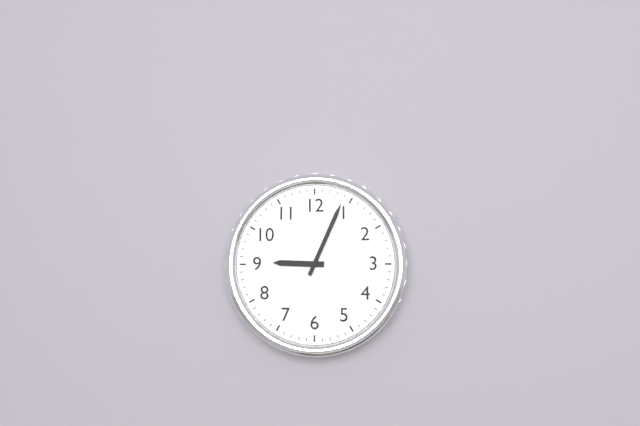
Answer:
9h04
